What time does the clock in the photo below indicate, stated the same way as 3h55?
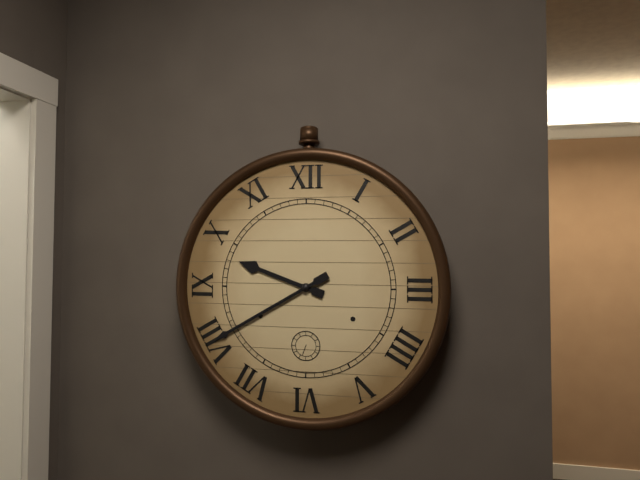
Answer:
9h40
